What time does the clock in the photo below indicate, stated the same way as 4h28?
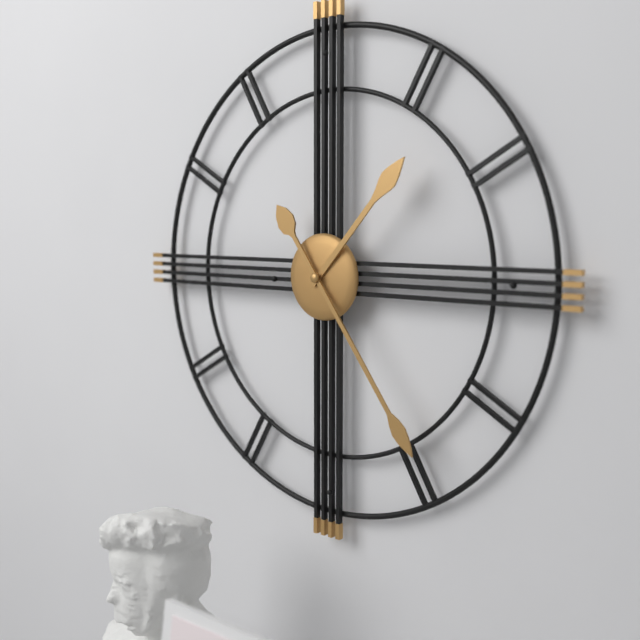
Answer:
1h24
